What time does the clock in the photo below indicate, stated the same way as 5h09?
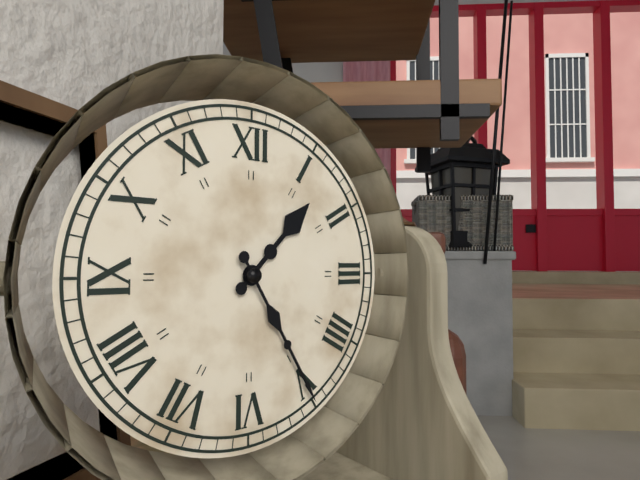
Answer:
1h25
